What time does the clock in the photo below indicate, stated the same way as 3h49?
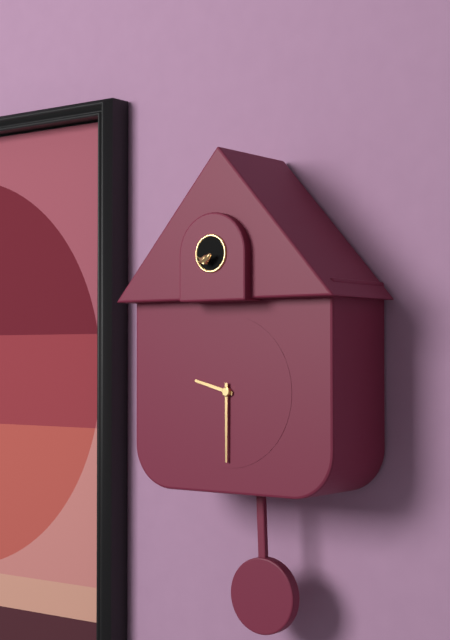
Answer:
9h30
